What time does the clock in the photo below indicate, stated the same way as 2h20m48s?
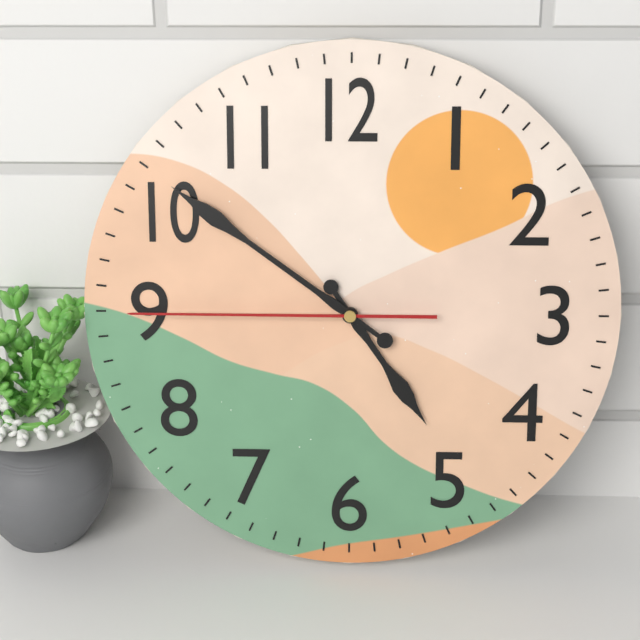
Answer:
4h51m45s
